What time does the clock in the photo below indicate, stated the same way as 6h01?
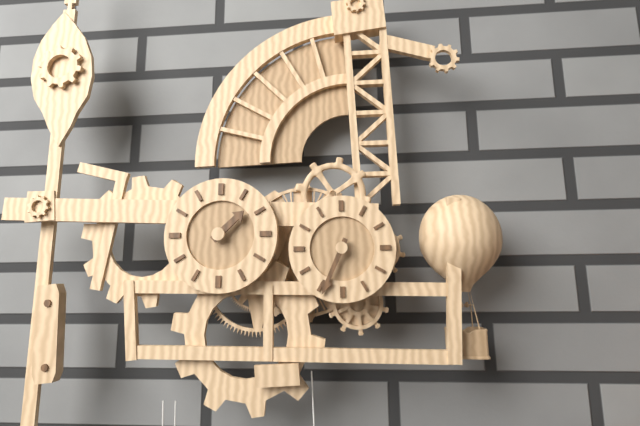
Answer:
1h34
